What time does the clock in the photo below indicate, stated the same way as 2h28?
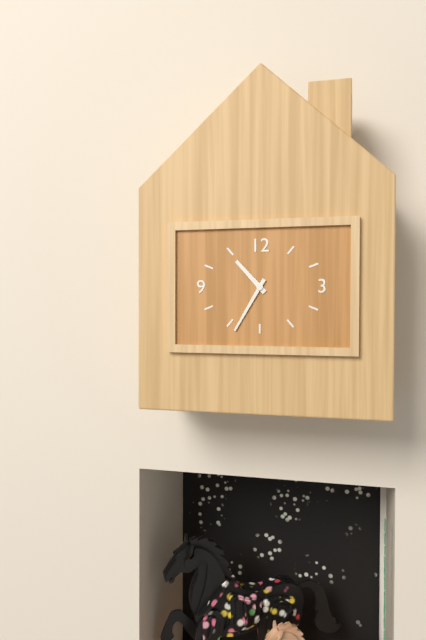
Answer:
10h35
